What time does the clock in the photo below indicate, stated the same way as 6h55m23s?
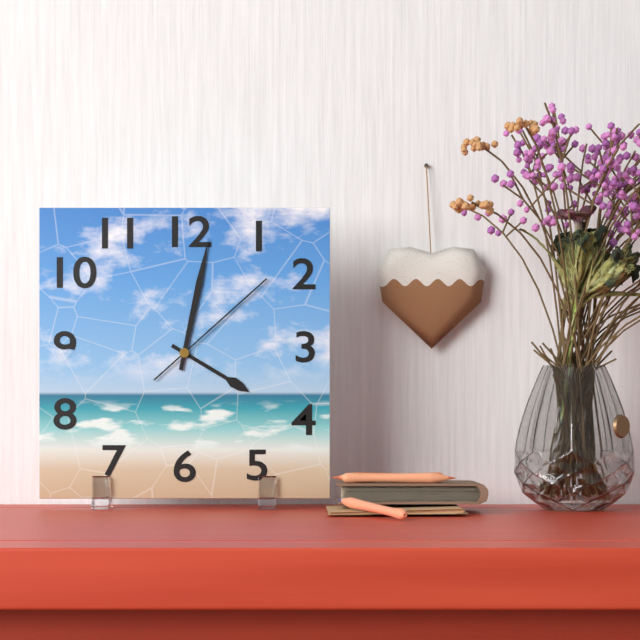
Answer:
4h02m08s
